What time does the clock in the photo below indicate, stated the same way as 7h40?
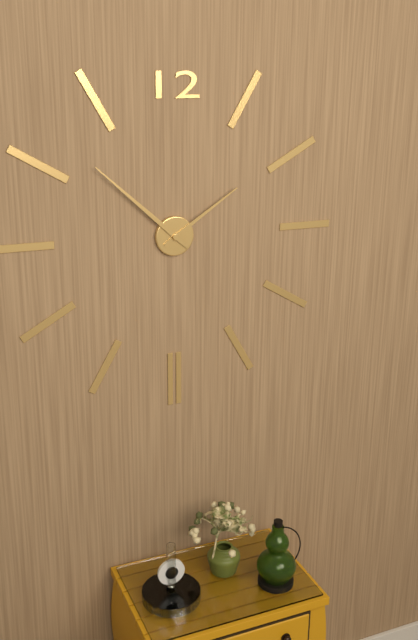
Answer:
1h52
